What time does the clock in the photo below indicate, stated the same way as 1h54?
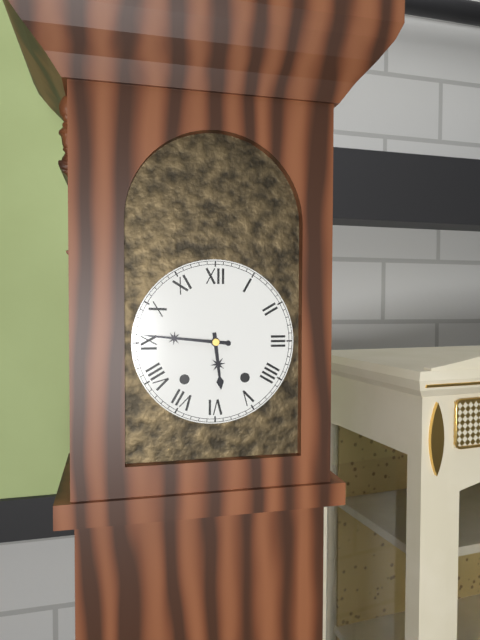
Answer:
5h46
